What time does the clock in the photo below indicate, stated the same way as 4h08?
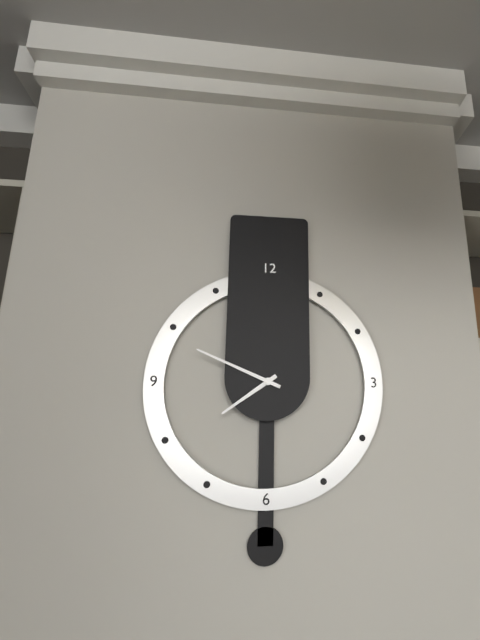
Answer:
7h49
